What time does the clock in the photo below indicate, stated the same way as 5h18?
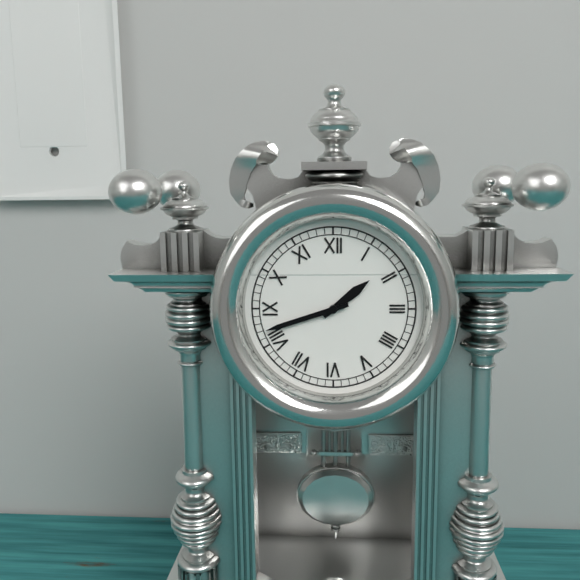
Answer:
1h42
